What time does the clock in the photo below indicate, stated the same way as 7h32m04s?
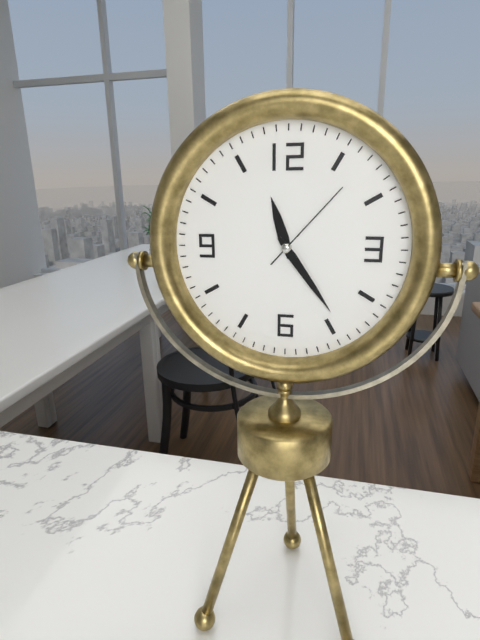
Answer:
11h24m07s
